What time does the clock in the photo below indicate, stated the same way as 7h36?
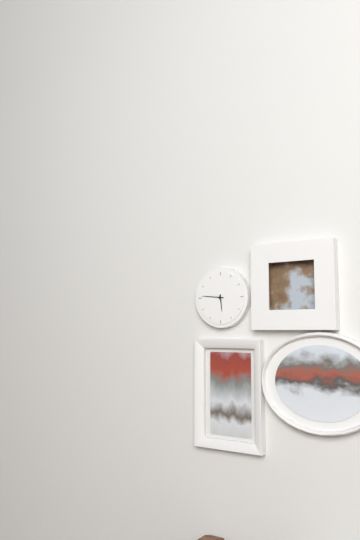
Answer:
5h46
